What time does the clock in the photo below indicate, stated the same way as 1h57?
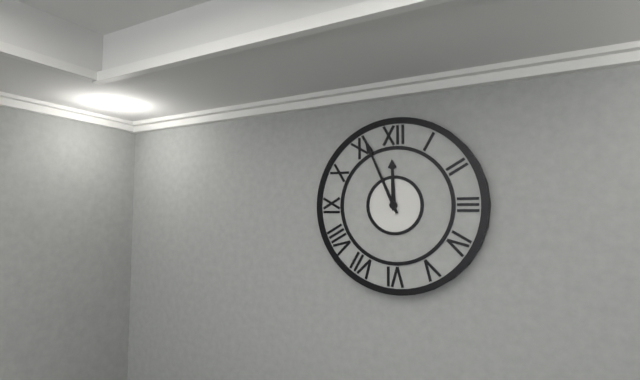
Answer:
11h56
